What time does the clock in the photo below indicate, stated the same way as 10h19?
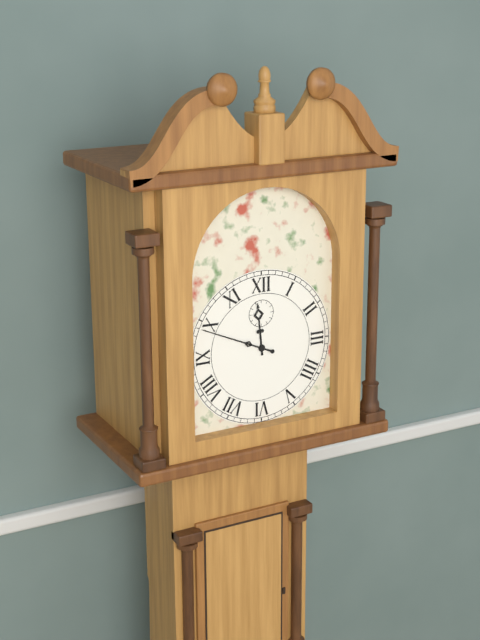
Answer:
11h49
